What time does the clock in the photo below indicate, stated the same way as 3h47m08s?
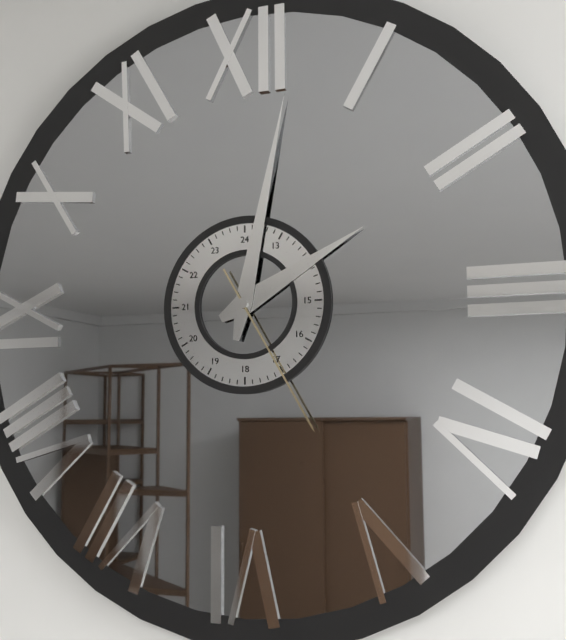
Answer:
2h02m25s
